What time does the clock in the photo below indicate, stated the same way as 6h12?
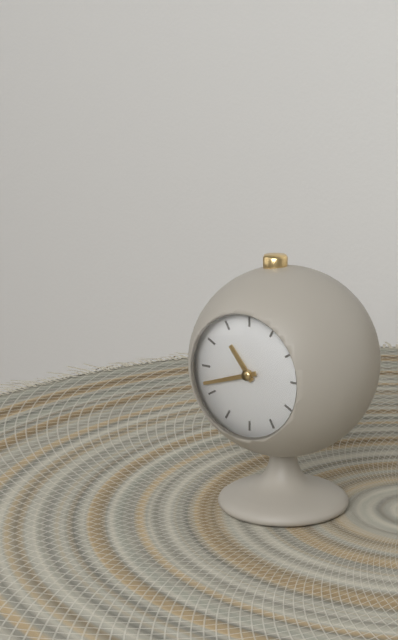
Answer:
10h42
